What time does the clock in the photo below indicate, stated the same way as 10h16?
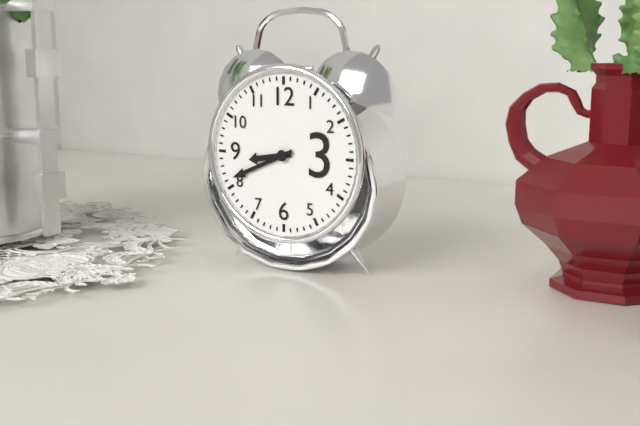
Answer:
8h41
